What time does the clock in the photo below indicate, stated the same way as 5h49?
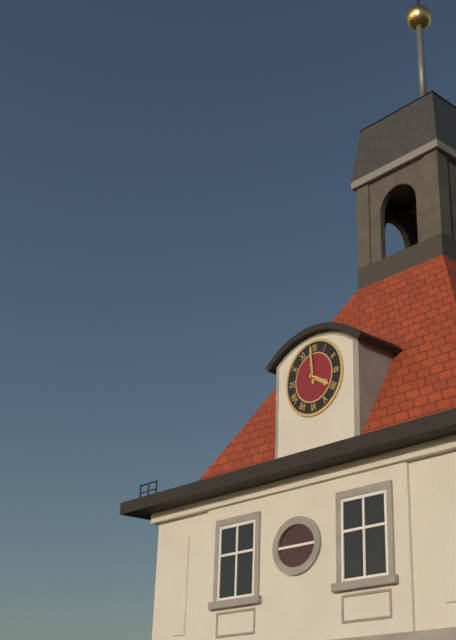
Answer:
3h59
